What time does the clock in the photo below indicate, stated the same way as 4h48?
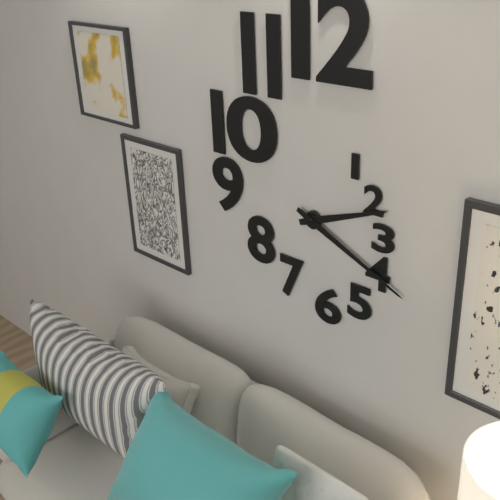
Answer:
2h19
